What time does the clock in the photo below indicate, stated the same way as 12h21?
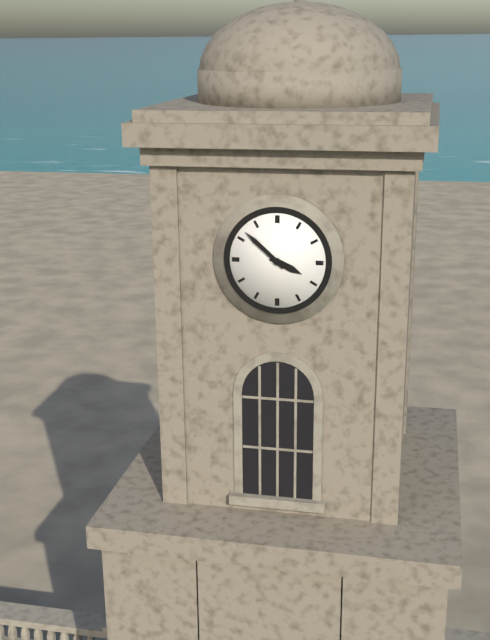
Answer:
3h52
